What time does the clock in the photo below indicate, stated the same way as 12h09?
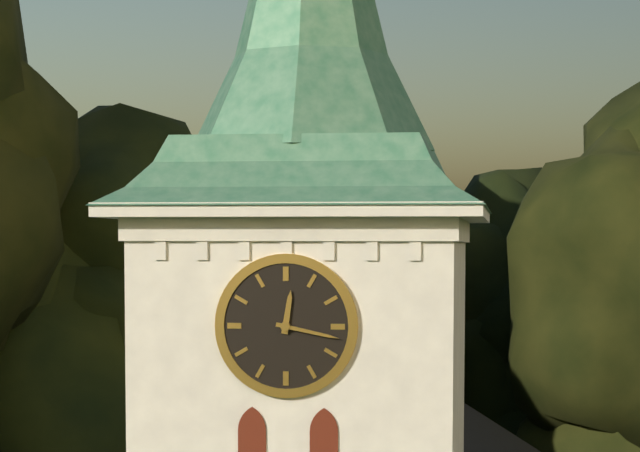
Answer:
12h17
